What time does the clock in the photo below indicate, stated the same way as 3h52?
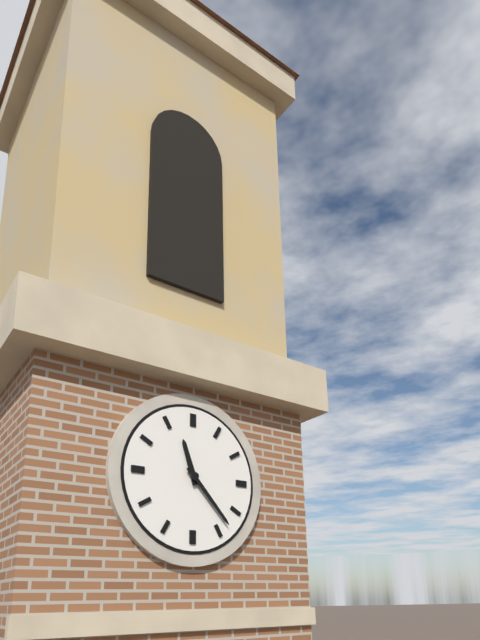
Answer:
11h23
